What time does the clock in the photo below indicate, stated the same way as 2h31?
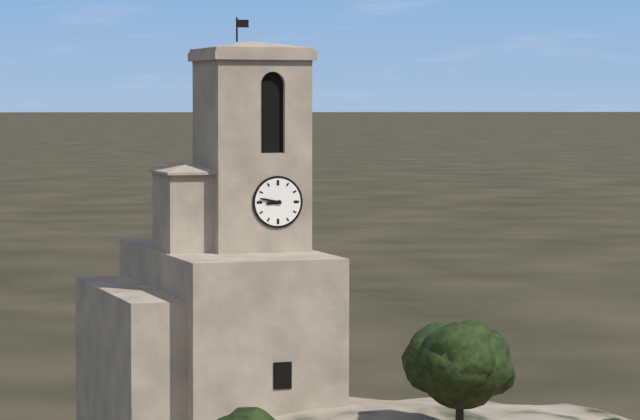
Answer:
8h47
